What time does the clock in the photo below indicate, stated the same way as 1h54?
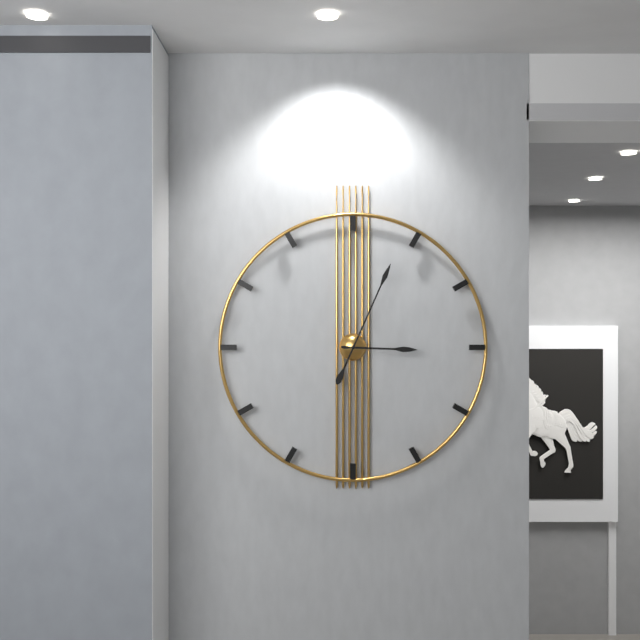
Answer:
3h04
